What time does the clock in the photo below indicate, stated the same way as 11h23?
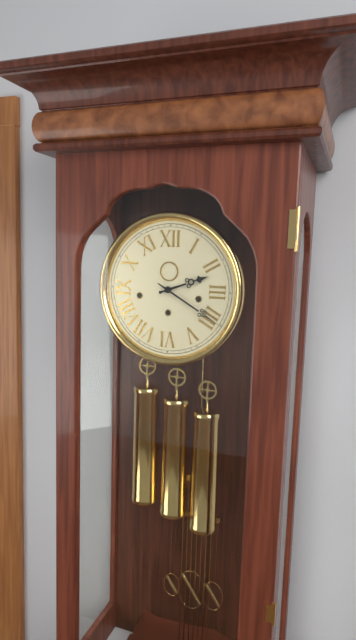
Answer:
2h20
